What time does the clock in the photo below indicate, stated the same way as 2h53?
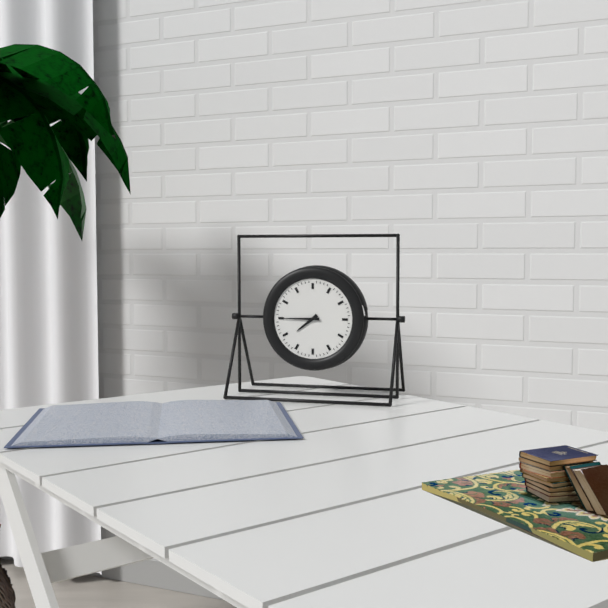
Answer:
7h45
